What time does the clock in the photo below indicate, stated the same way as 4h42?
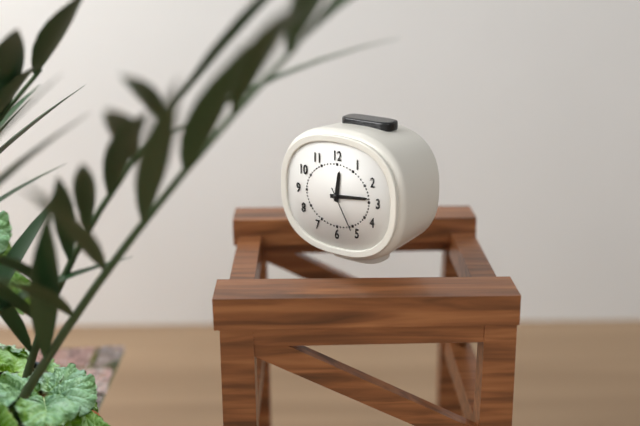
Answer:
12h14
